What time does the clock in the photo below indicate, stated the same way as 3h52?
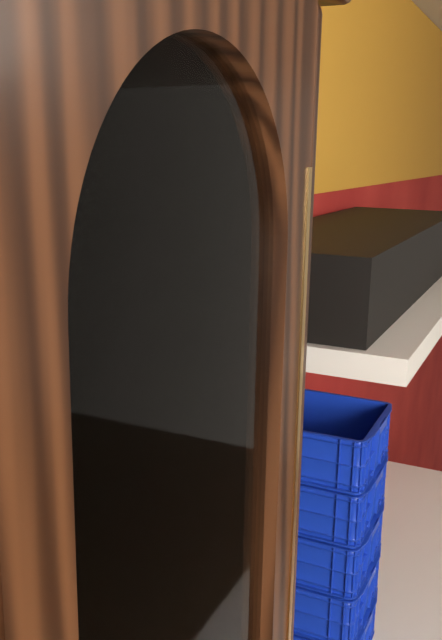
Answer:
5h48
